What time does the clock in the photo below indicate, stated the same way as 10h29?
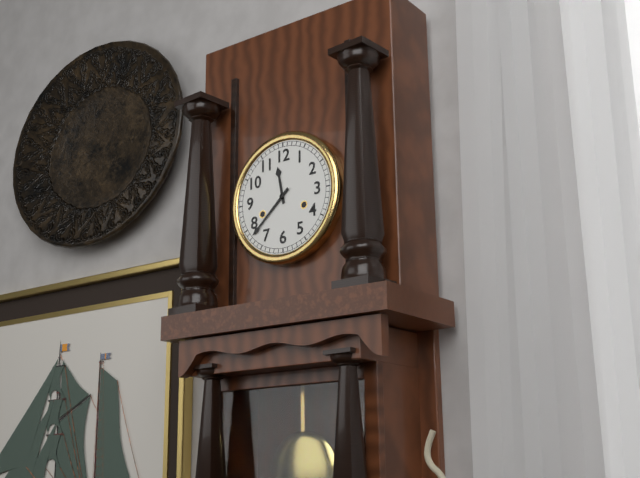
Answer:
11h38
